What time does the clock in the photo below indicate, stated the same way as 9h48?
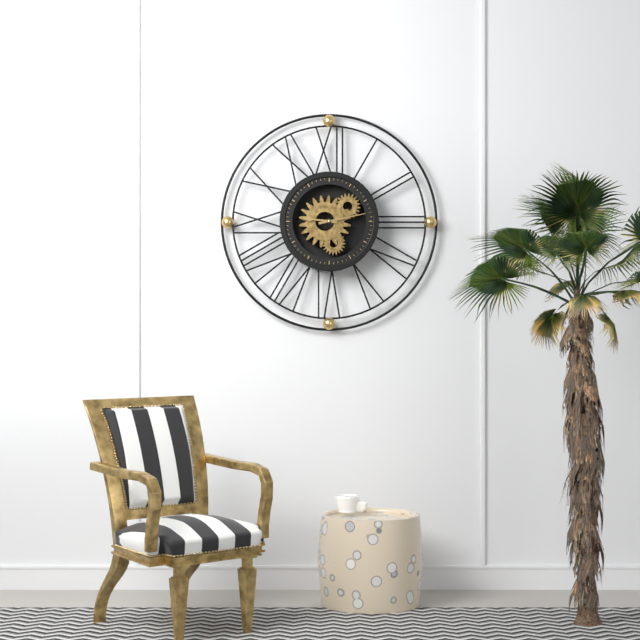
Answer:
9h13
